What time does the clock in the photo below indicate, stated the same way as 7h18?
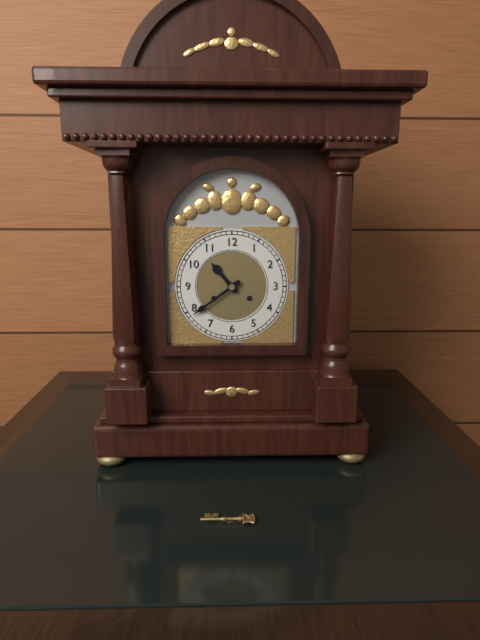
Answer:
10h39
